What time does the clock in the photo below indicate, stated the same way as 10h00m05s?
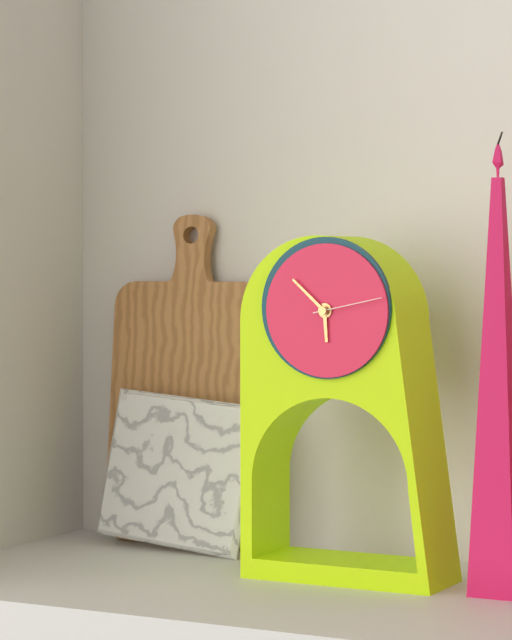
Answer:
5h52m13s
